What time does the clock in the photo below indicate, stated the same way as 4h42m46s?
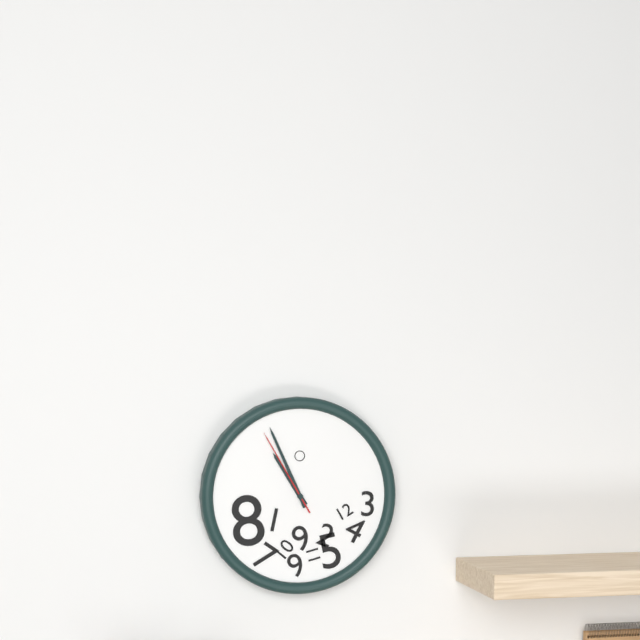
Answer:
10h56m55s
